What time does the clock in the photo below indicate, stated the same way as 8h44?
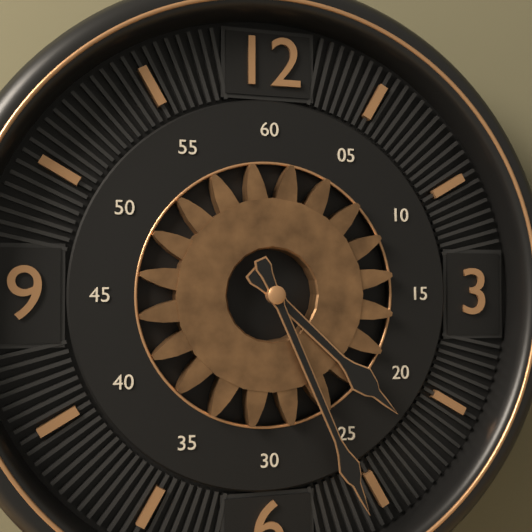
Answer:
4h26
